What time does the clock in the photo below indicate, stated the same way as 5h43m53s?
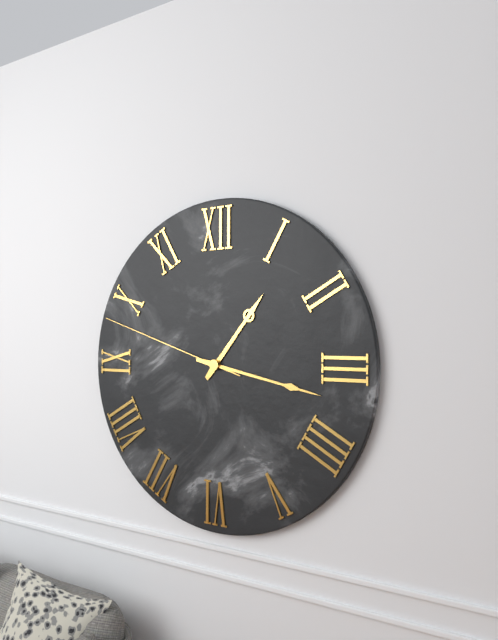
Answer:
1h17m48s
